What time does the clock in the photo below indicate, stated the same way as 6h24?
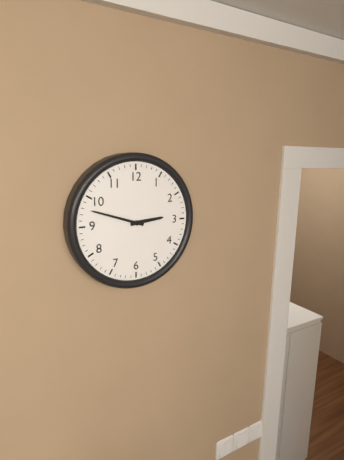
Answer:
2h48
